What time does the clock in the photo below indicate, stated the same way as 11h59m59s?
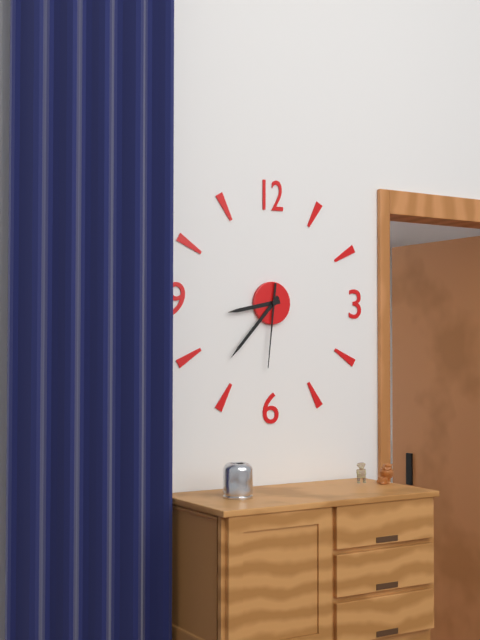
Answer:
8h37m31s
